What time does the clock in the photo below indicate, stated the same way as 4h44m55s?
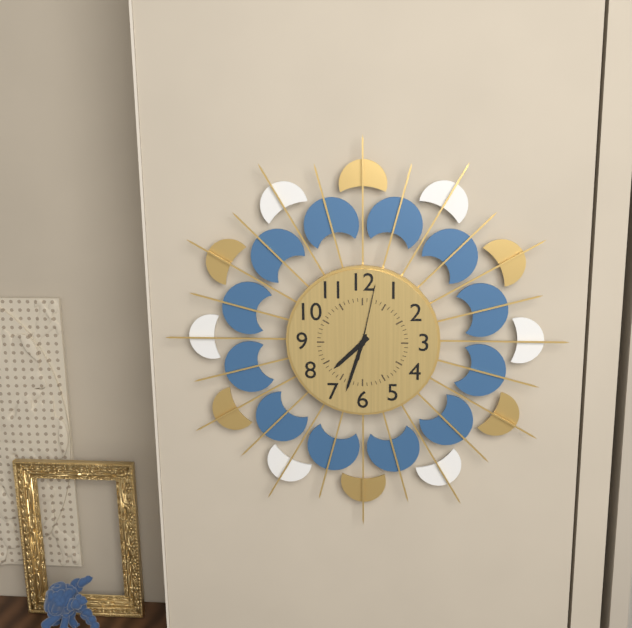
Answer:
7h33m02s
